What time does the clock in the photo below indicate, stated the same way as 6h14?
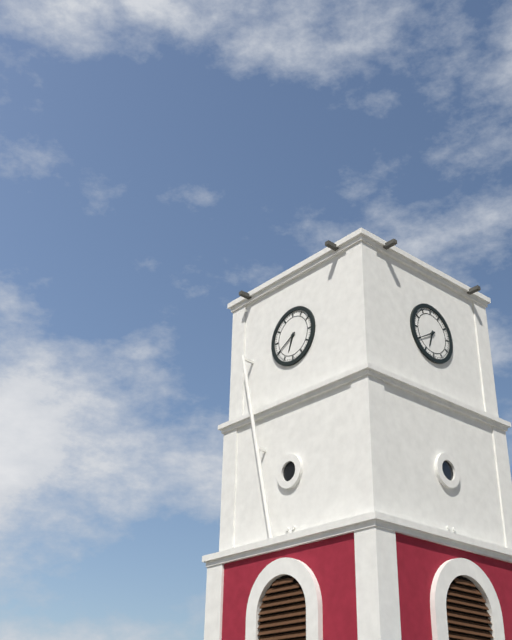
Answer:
6h40
